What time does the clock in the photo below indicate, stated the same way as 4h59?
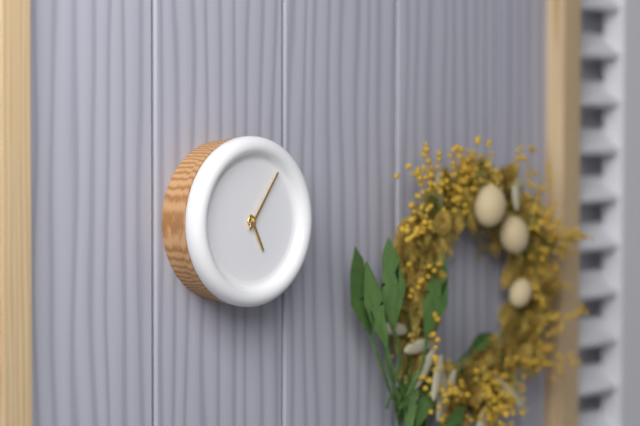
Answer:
5h06
